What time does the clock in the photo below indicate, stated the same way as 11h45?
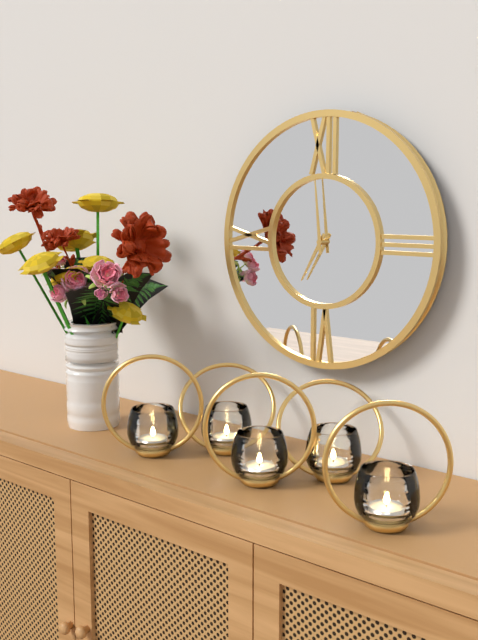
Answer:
6h59
